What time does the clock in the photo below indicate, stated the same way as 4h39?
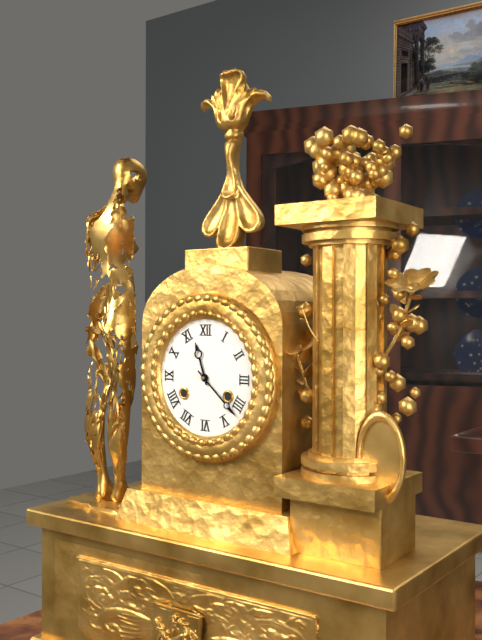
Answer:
11h22
